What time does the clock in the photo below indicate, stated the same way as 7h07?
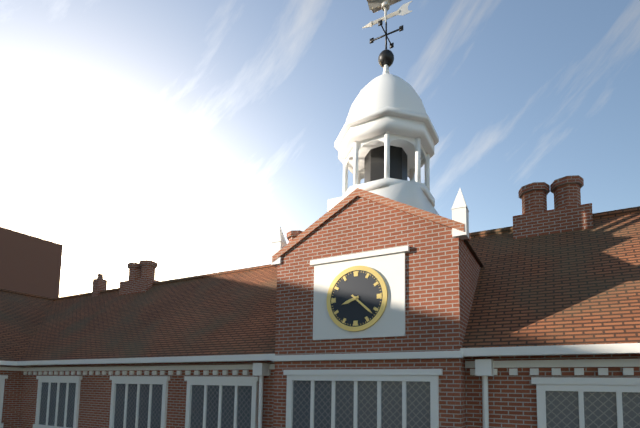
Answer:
8h22
